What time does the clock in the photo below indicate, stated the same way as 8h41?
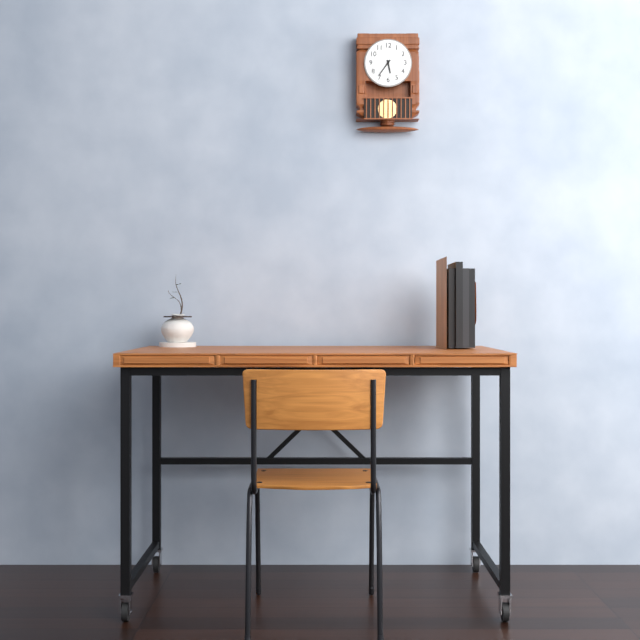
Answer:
5h36
